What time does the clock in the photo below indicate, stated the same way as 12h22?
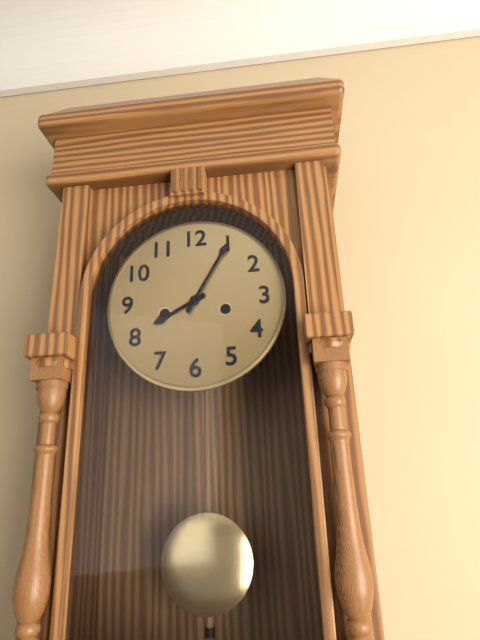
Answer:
8h05
